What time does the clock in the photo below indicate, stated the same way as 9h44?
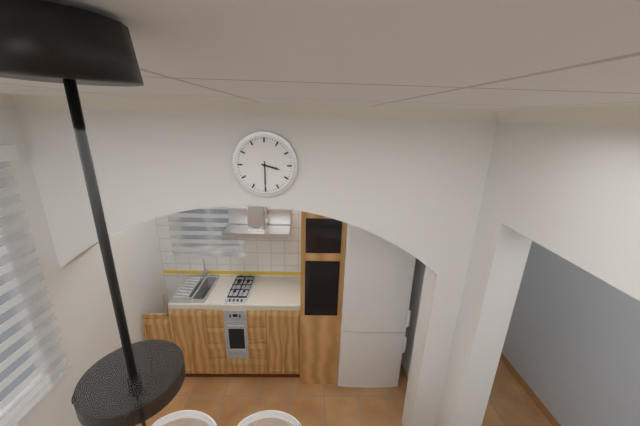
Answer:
3h30
